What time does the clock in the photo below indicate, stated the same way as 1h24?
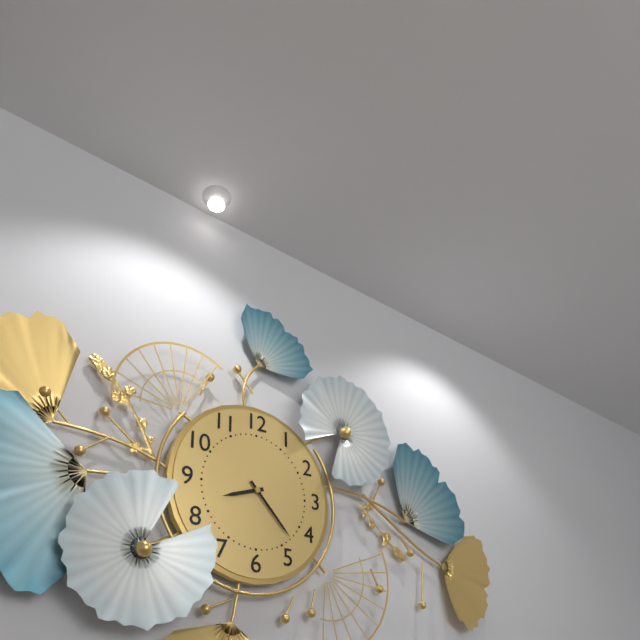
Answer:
8h23
